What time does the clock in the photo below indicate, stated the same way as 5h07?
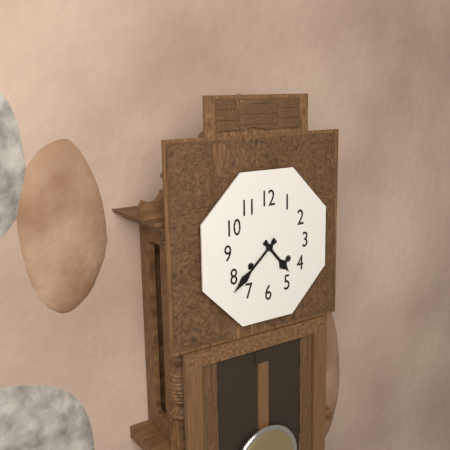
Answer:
4h38
